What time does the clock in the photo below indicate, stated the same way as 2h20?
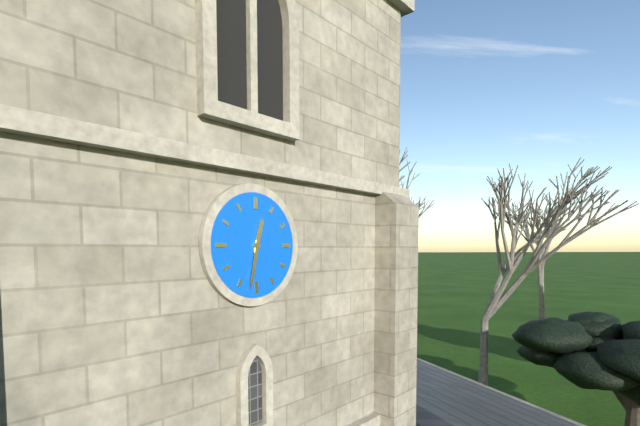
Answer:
12h32
